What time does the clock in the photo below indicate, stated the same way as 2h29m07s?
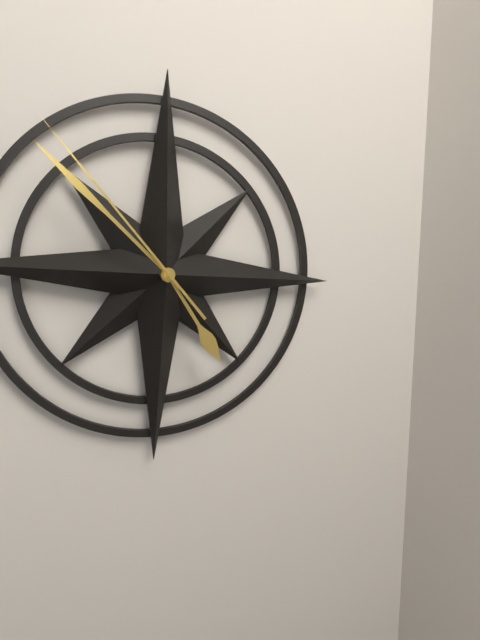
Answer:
4h52m53s
